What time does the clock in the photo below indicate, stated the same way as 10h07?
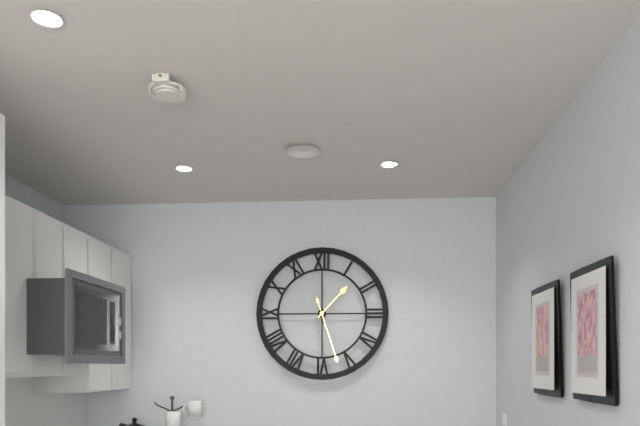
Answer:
1h27
